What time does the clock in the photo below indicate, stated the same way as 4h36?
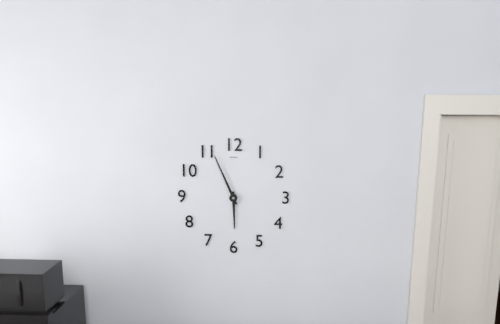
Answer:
5h56
